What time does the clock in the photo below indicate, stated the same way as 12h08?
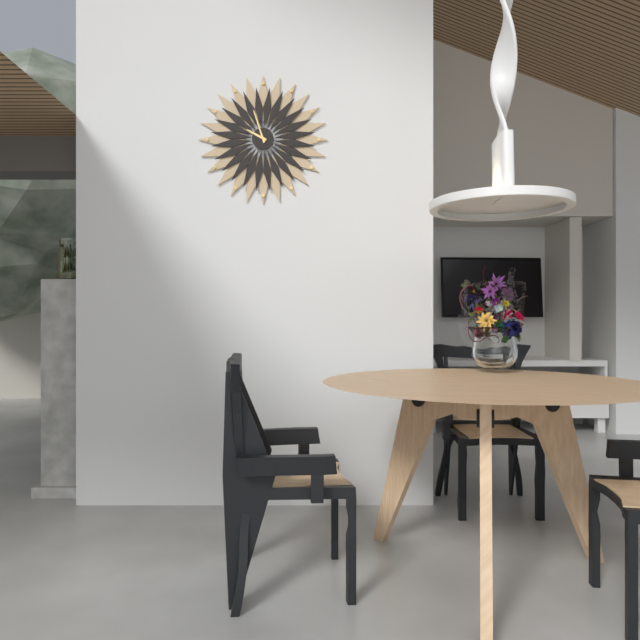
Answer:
9h57
